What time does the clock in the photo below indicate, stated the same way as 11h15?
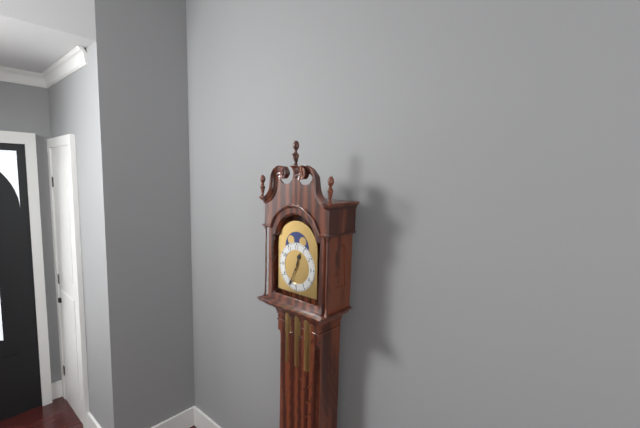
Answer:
12h34
